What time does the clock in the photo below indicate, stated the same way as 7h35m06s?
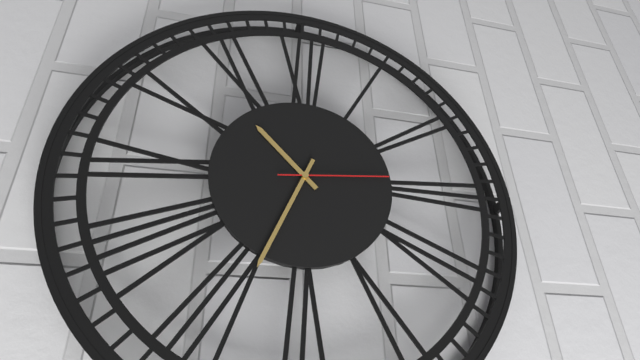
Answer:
10h34m14s
